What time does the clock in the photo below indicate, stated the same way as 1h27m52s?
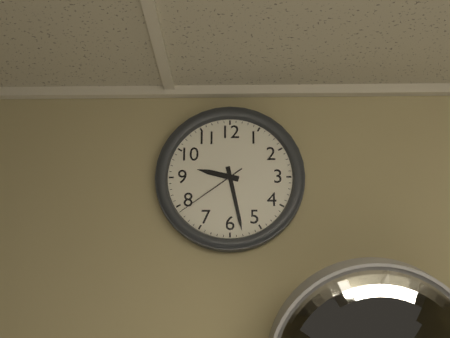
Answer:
9h28m39s
